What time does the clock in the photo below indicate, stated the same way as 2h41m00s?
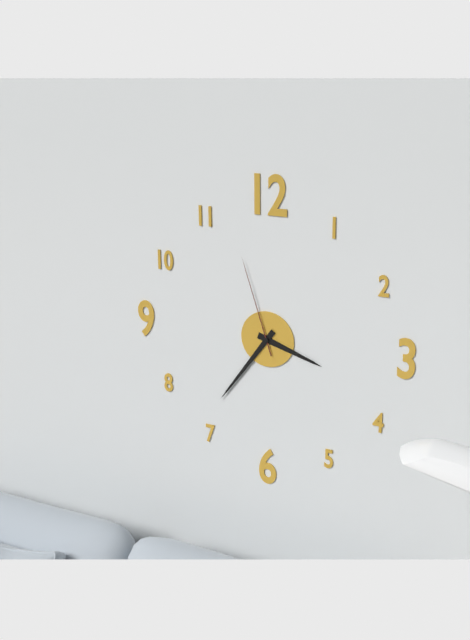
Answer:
3h36m57s
